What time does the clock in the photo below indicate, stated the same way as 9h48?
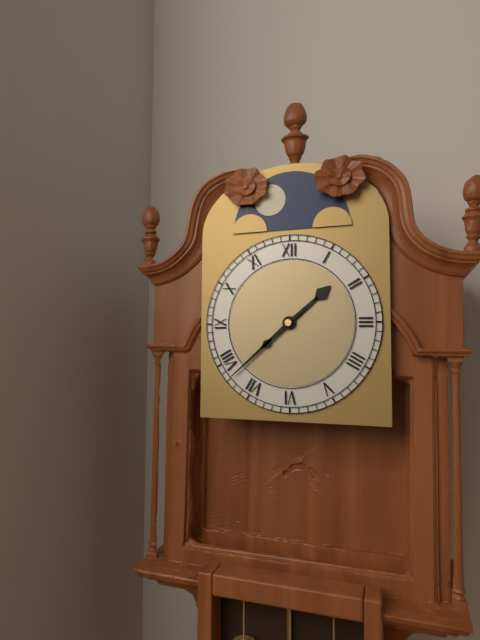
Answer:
1h38
